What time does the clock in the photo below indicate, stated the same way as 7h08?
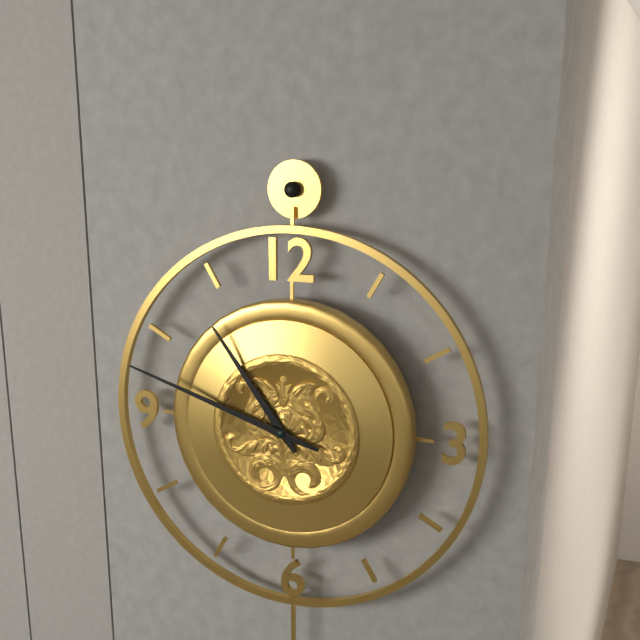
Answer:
10h48
